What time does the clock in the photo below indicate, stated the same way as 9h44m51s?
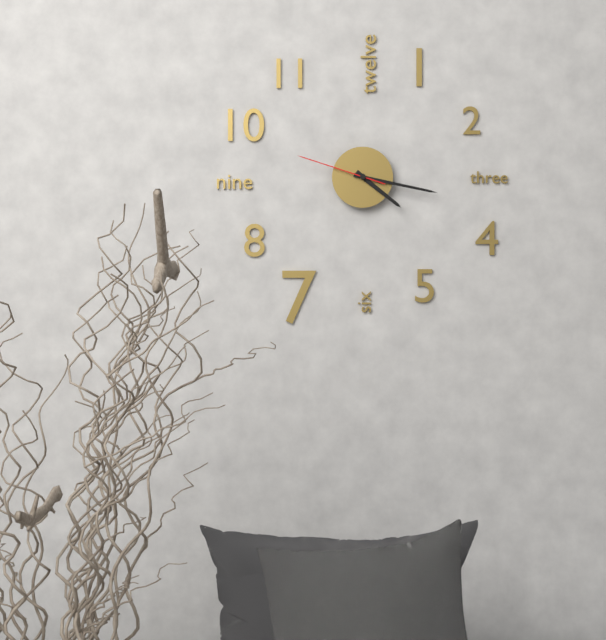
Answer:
4h17m48s
